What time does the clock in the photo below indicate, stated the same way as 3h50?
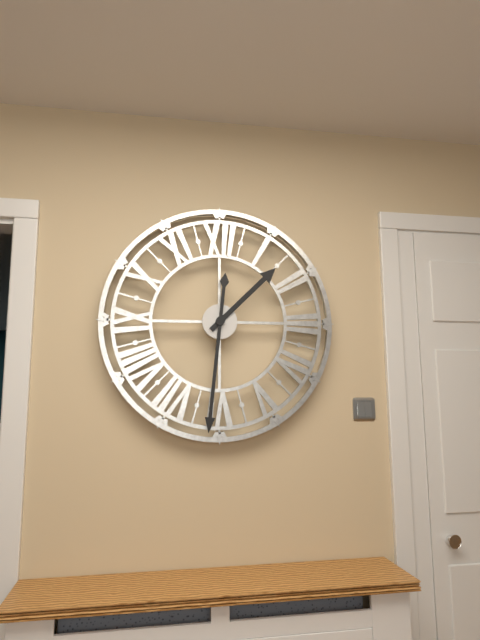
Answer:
1h31
